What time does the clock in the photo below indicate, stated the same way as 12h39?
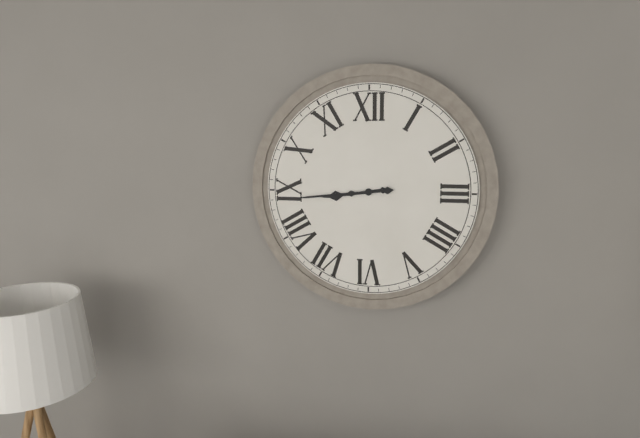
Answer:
8h44
